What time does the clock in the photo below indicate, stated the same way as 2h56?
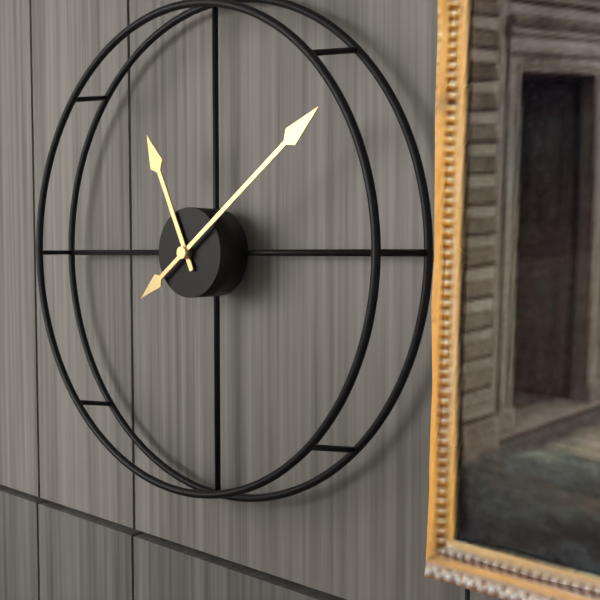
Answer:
11h09
